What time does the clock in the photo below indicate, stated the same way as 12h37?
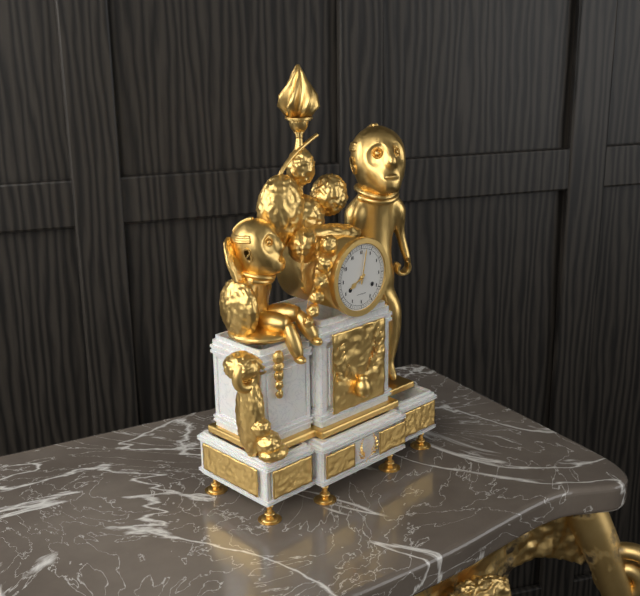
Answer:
8h02
